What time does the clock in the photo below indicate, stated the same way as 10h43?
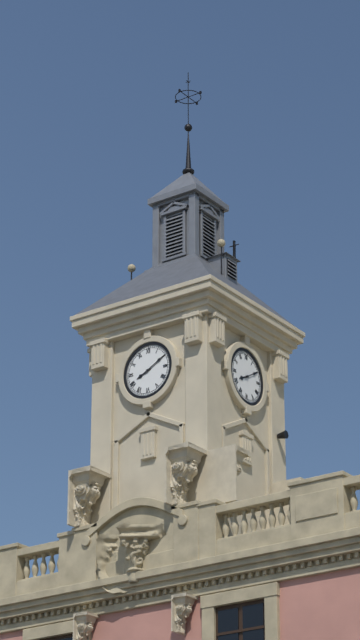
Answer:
8h10
